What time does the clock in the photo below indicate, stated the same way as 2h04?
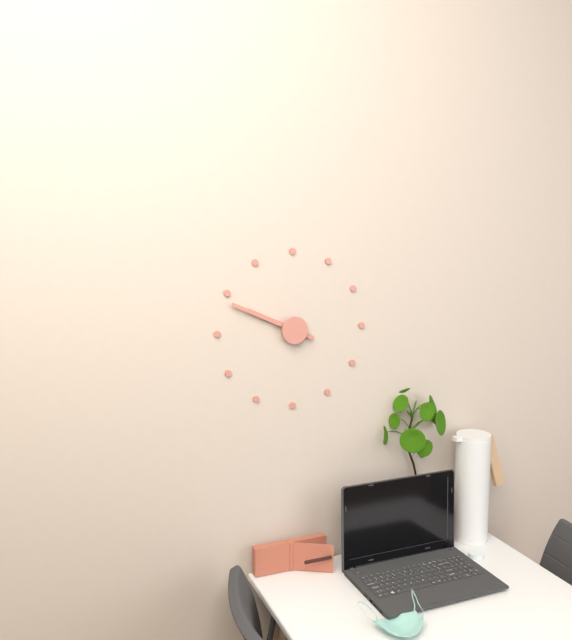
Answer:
9h49
